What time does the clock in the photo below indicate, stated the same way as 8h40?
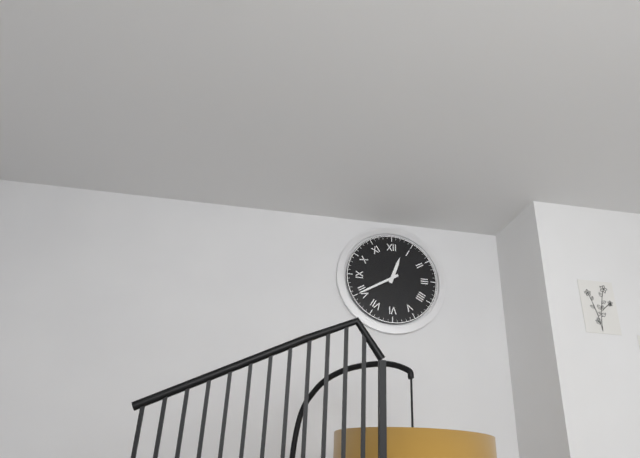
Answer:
12h40
